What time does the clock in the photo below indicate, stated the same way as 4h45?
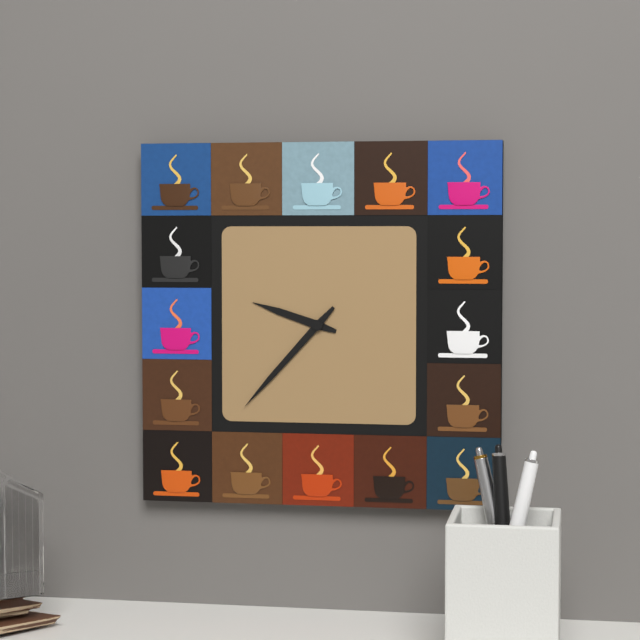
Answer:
9h37
